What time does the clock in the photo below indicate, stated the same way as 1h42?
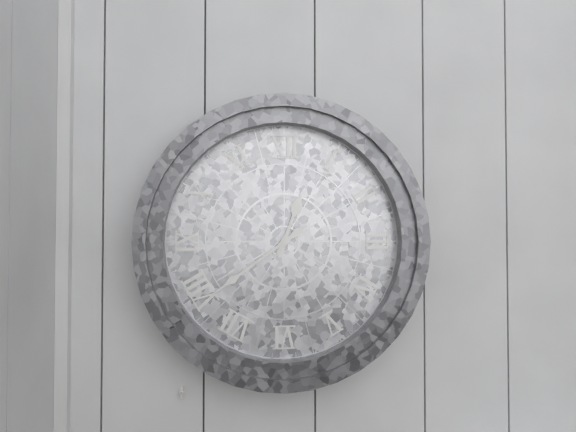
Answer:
12h39
